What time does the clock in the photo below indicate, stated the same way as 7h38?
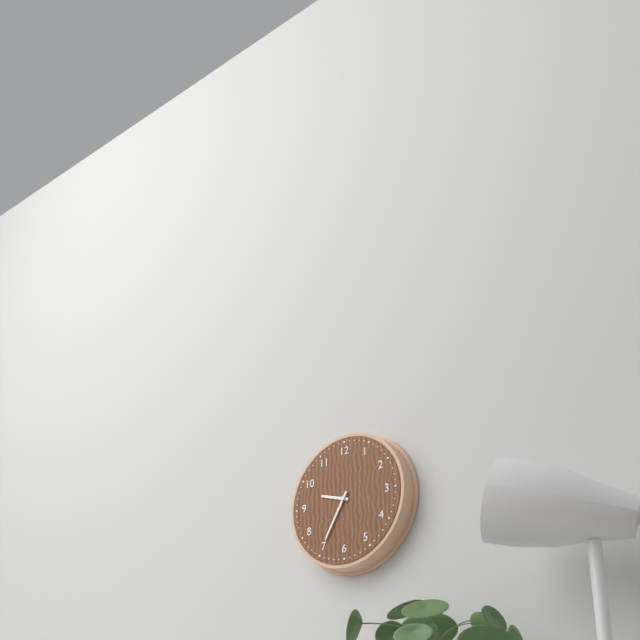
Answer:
9h35
